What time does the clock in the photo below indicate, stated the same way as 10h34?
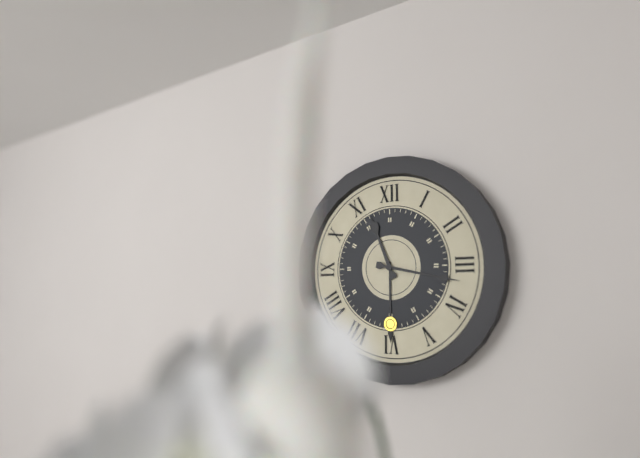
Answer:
11h17
